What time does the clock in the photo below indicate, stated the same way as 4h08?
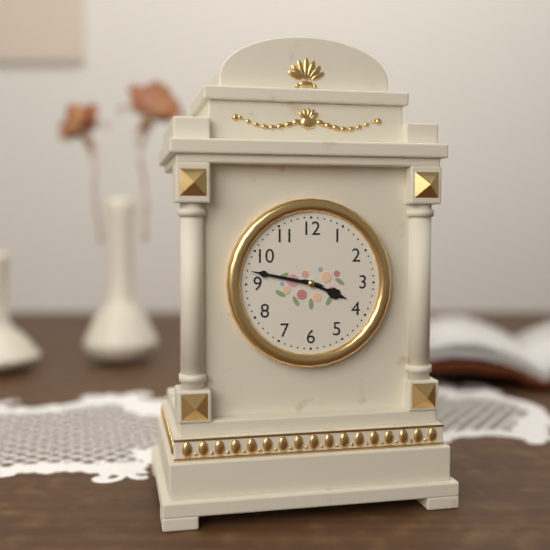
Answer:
3h47
